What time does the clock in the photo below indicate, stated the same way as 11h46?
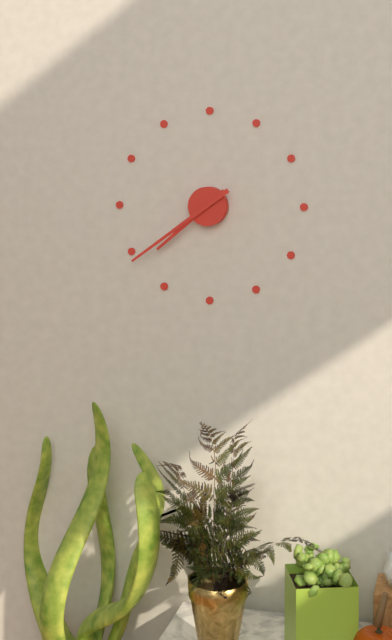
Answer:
7h39
